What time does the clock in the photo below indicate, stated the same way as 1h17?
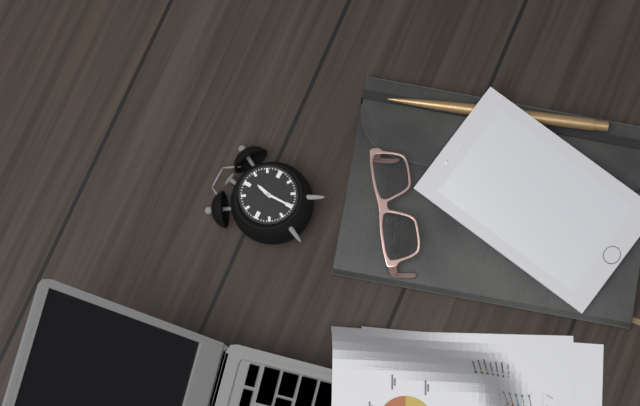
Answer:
12h30
